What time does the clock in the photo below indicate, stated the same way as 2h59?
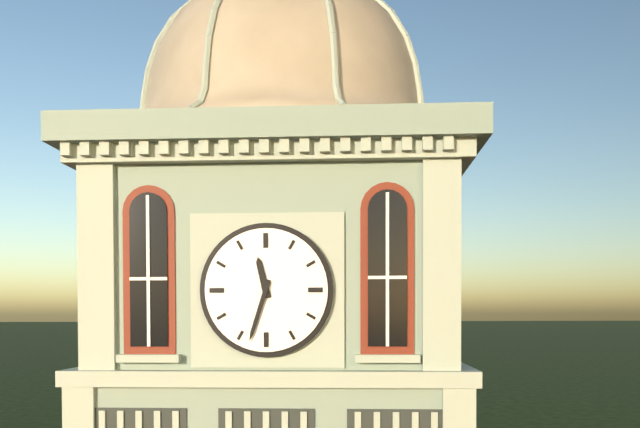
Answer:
11h33
